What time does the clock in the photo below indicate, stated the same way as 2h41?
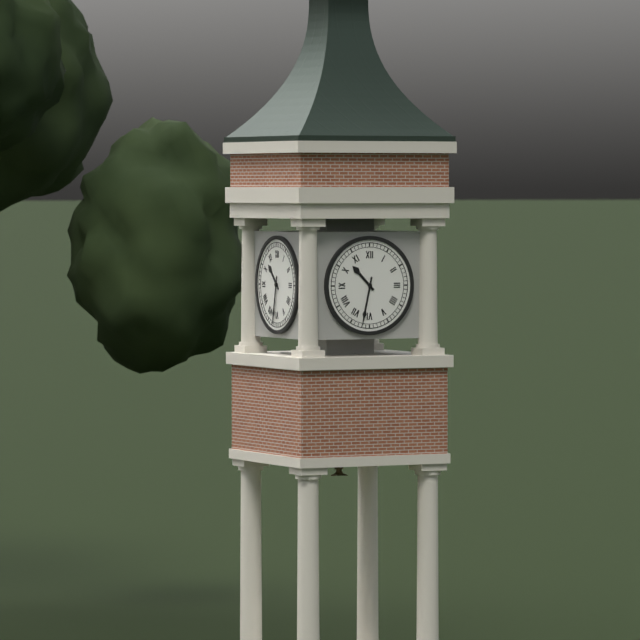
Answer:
10h32
